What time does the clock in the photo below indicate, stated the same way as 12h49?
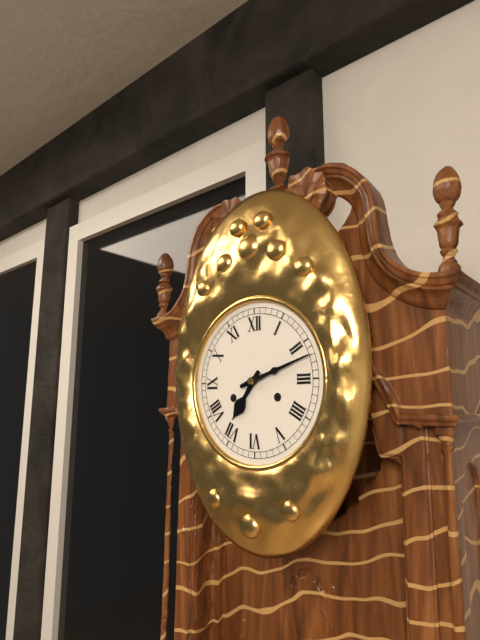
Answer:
7h12
